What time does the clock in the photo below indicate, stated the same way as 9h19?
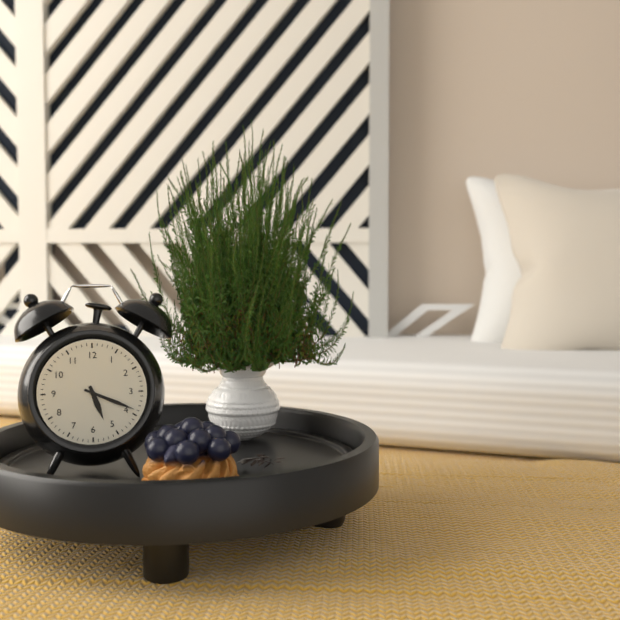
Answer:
5h19
